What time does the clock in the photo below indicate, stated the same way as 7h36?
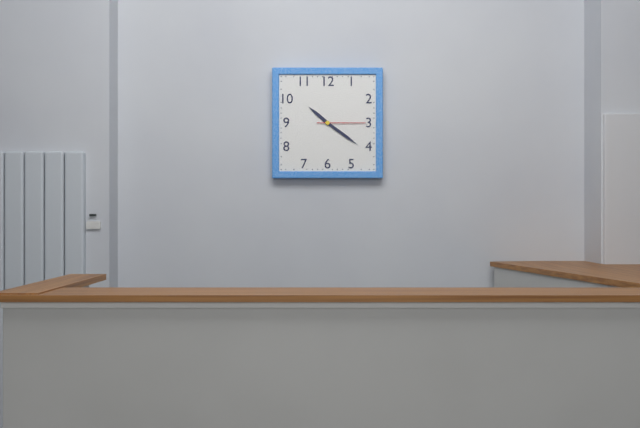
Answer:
10h21
